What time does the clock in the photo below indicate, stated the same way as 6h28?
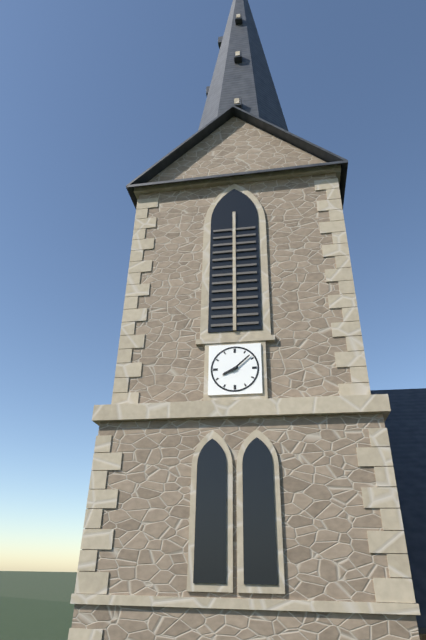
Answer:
8h08
